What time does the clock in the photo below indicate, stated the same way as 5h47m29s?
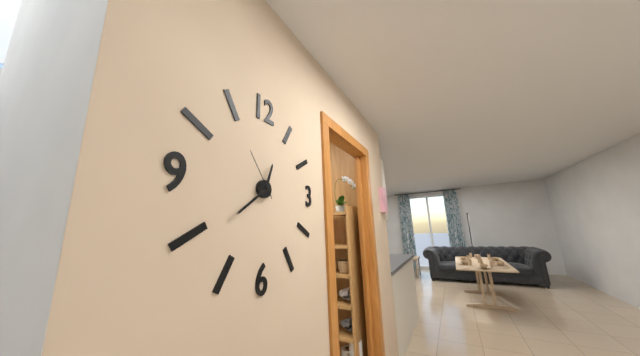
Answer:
12h39m54s
